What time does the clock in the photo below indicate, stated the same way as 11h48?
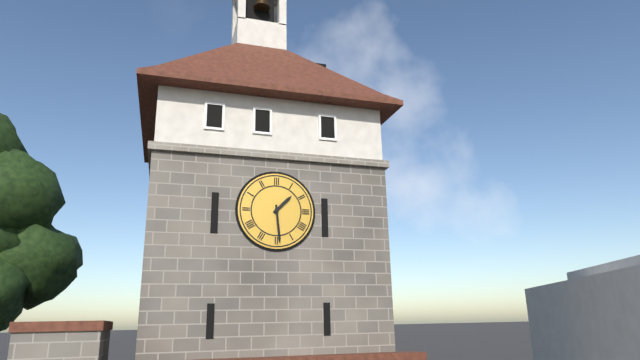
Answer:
1h29
